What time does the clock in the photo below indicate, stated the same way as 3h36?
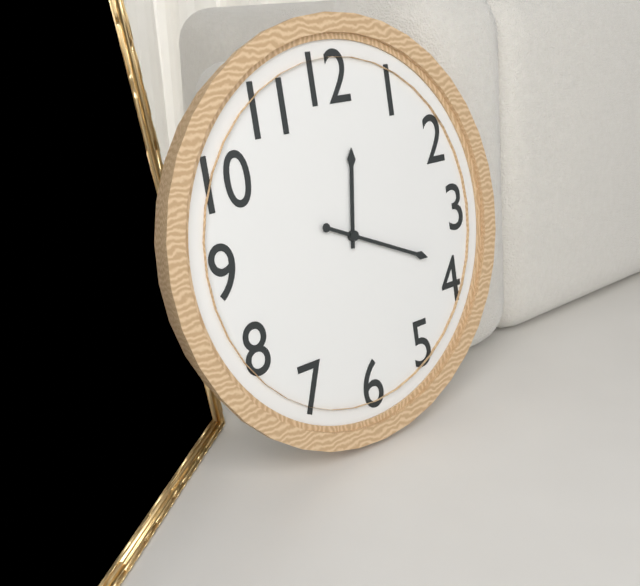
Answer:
12h19
